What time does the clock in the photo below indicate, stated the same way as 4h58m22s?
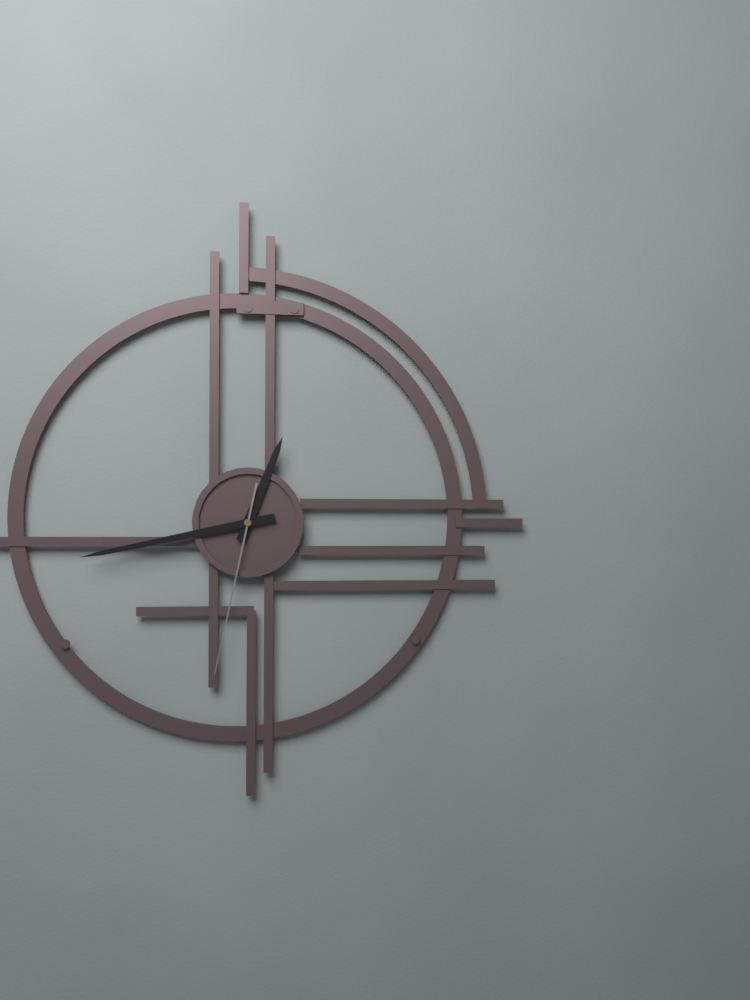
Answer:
12h43m32s
